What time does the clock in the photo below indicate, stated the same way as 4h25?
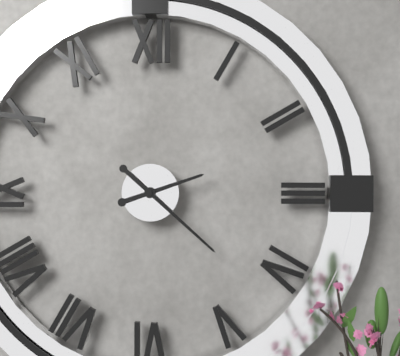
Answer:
2h22
